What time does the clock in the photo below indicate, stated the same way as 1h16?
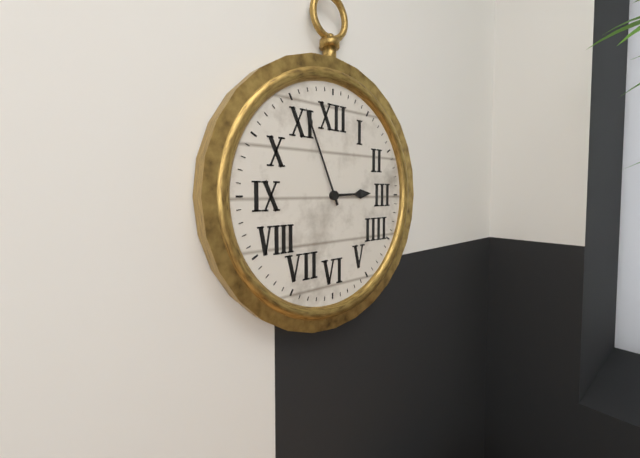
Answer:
2h56
